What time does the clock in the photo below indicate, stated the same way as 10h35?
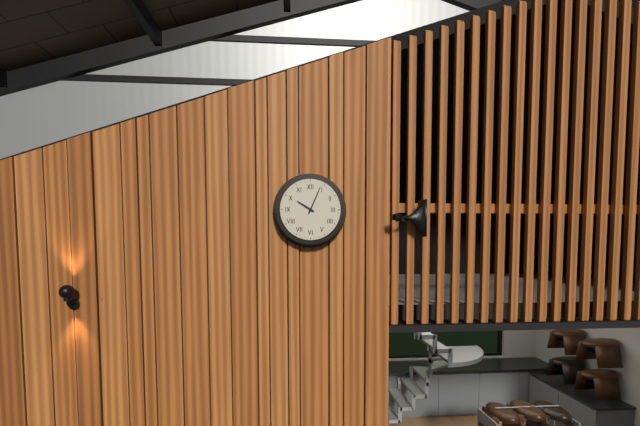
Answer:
10h04
